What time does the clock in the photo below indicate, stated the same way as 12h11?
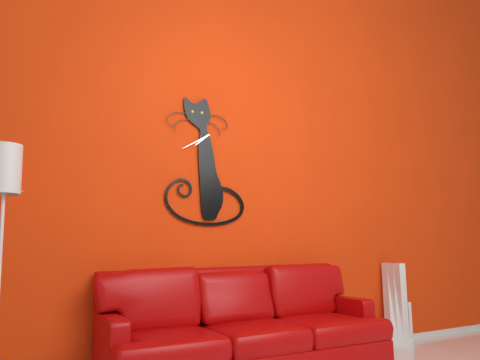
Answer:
7h40
